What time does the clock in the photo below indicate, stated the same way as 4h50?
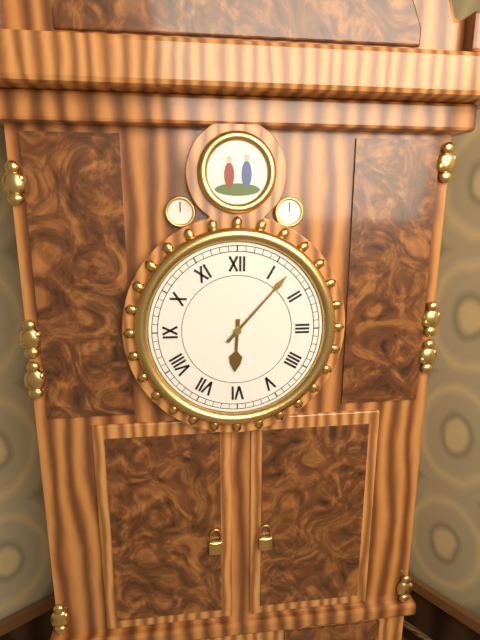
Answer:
6h07
